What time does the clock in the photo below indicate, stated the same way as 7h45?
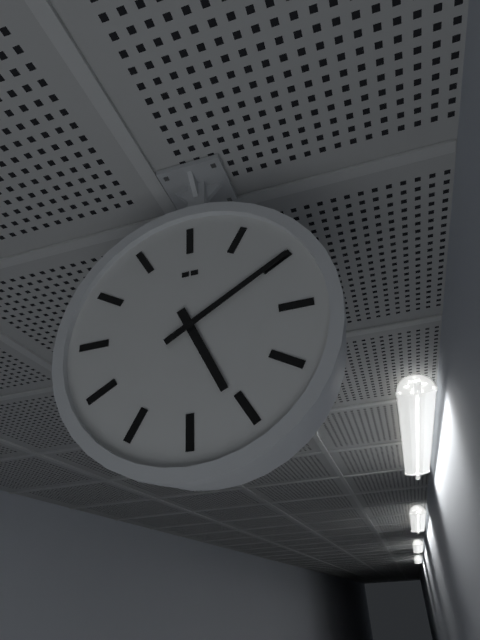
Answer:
5h10
